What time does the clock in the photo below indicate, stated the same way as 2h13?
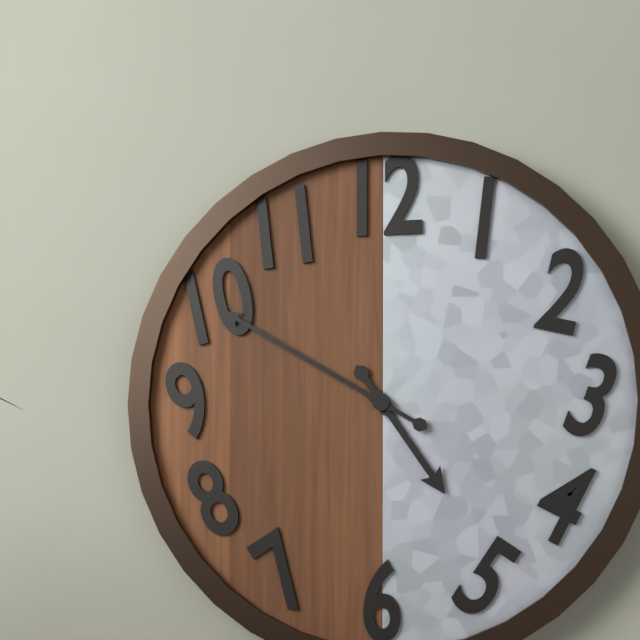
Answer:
4h50
